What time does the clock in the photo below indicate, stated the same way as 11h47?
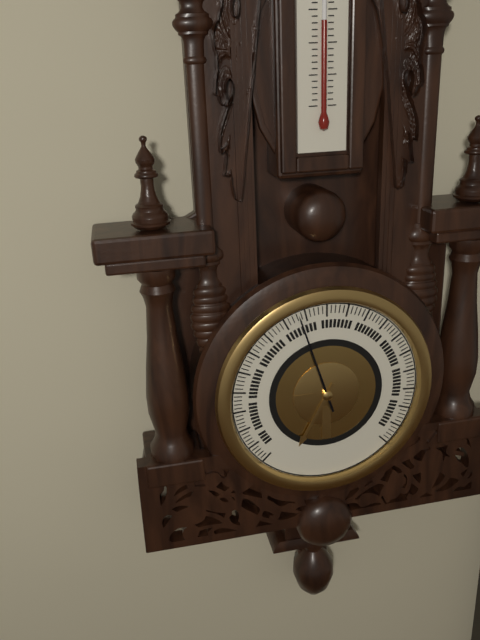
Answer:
6h57
